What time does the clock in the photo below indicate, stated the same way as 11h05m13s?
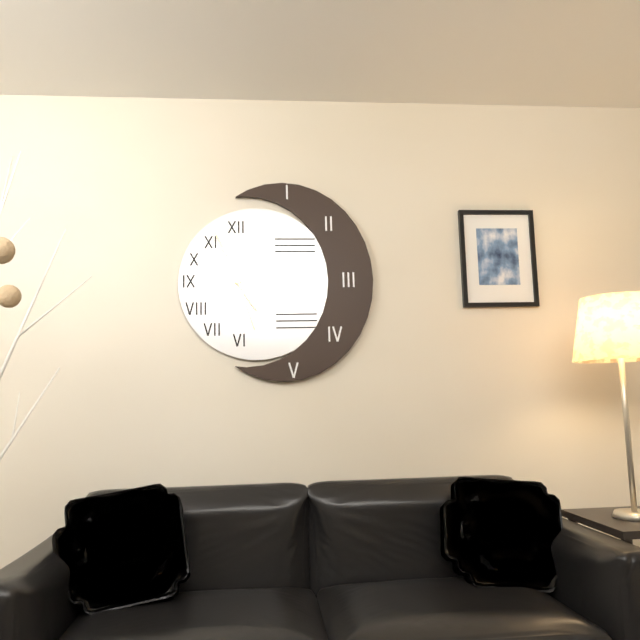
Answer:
4h56m27s
